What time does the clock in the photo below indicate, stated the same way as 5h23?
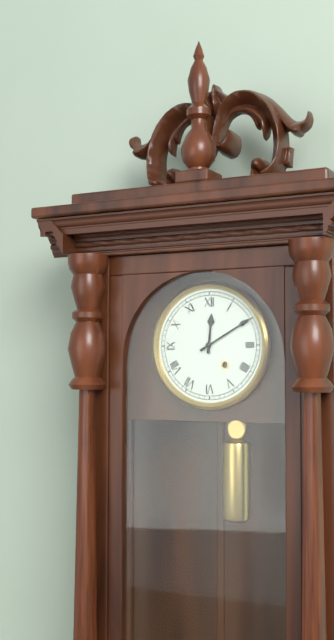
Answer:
12h10
